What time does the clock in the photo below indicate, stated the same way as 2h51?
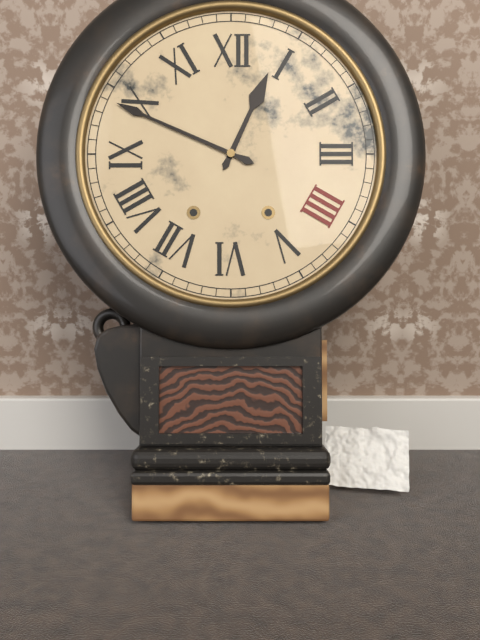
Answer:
12h49
